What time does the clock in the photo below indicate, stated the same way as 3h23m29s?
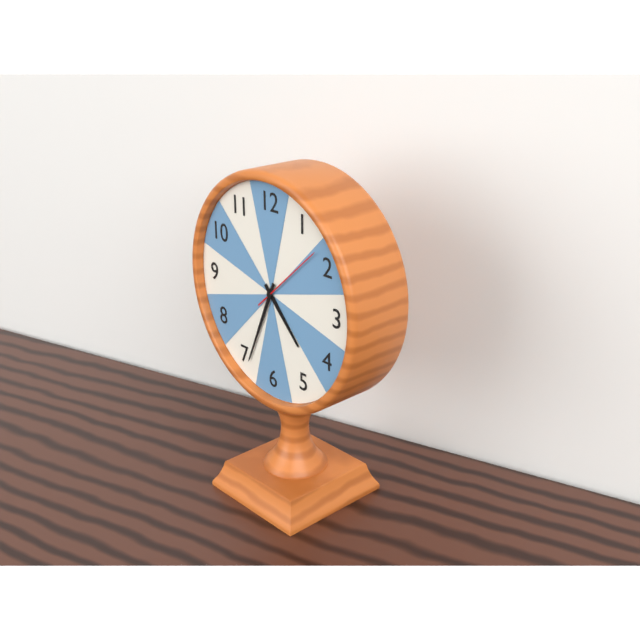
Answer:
4h34m08s
